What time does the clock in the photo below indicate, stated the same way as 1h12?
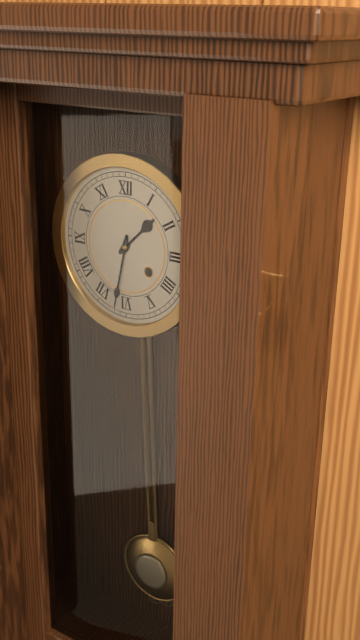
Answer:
1h32
